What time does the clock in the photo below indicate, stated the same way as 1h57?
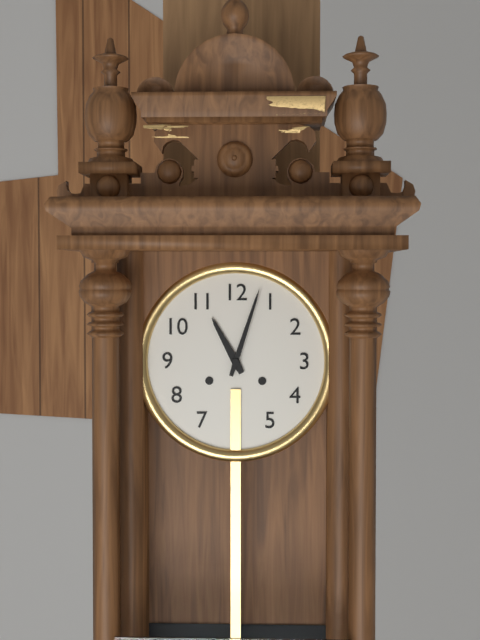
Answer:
11h03
